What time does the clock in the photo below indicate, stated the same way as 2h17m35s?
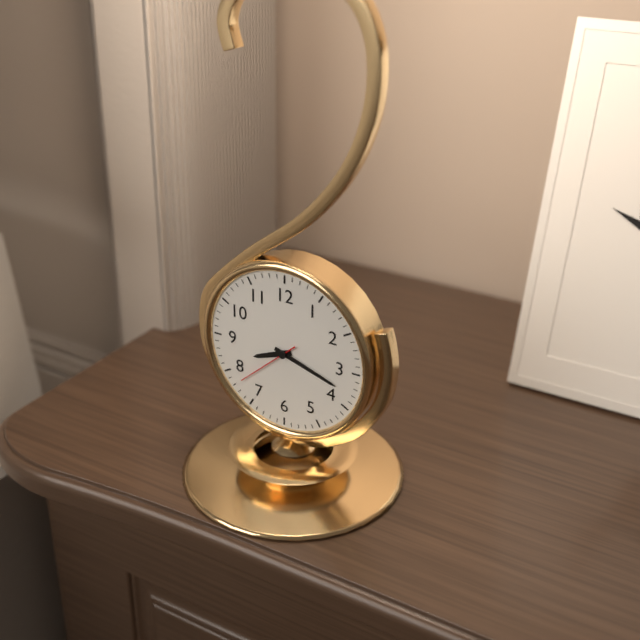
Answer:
8h18m38s
